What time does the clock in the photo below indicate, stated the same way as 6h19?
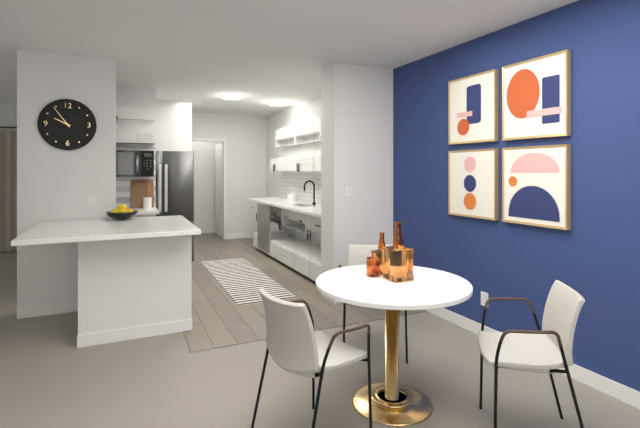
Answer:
9h54
